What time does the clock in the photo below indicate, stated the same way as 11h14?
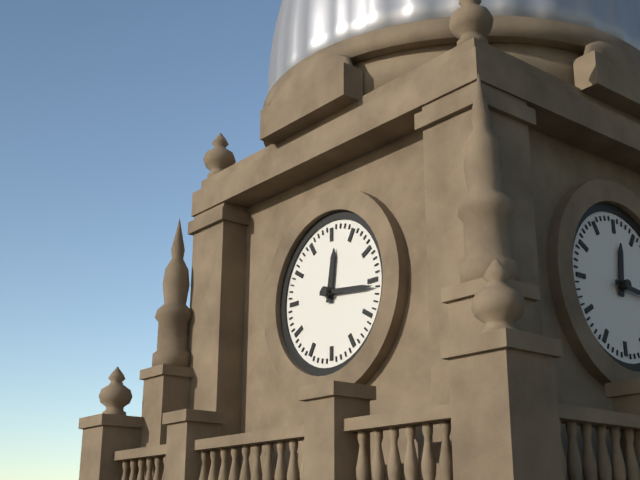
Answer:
12h16
